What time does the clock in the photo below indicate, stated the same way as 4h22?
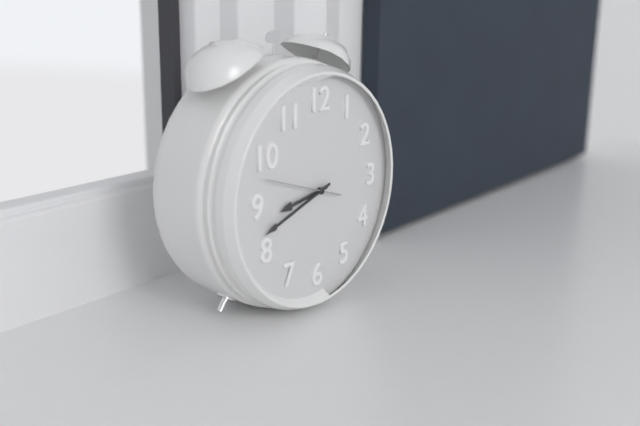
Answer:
8h42
